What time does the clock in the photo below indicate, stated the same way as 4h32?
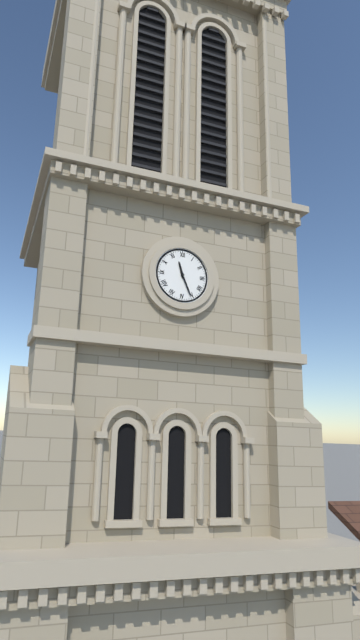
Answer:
11h26
